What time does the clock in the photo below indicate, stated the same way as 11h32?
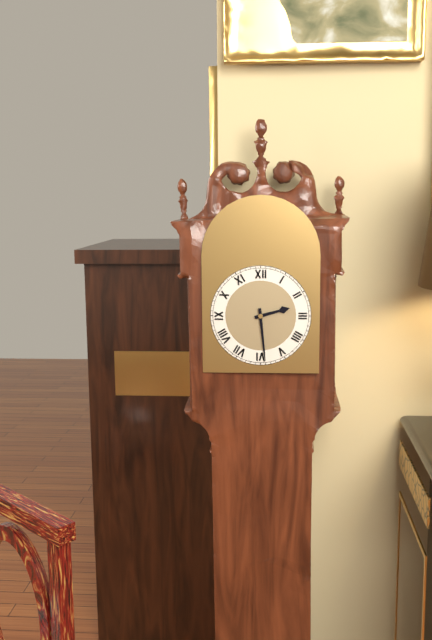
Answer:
2h29
